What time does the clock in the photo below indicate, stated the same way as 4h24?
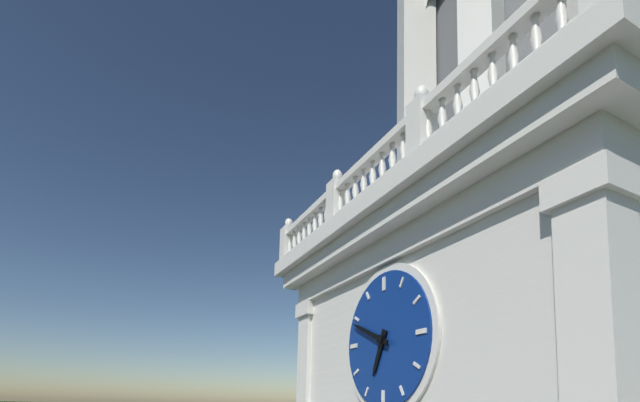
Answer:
6h49
